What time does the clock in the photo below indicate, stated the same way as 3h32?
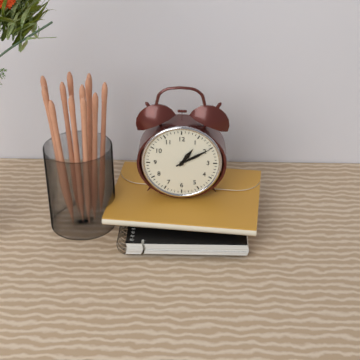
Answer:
1h10
